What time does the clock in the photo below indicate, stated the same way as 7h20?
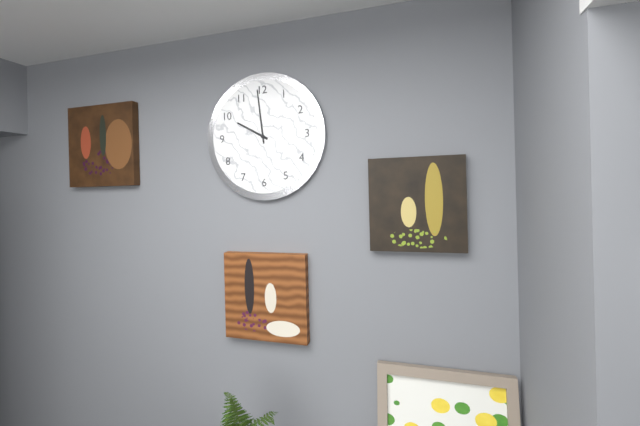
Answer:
9h59
